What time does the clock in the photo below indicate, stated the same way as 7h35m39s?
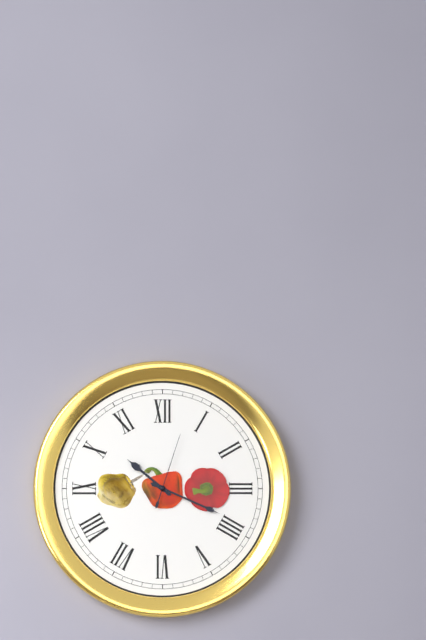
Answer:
10h19m03s
